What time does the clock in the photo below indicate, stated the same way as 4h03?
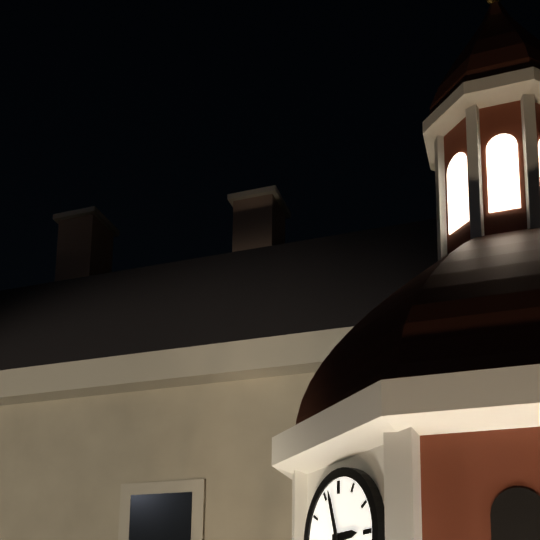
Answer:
2h57
